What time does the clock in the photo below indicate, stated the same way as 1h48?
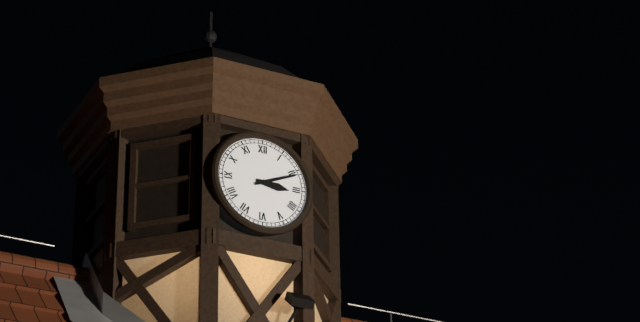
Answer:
3h11
